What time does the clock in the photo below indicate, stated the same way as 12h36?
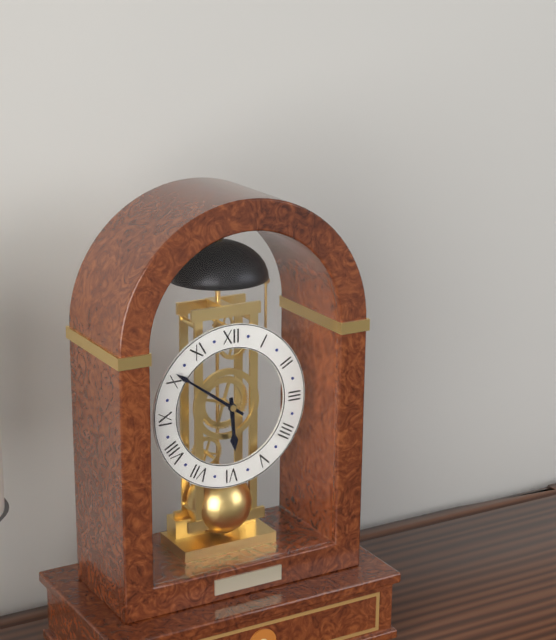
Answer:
5h51
